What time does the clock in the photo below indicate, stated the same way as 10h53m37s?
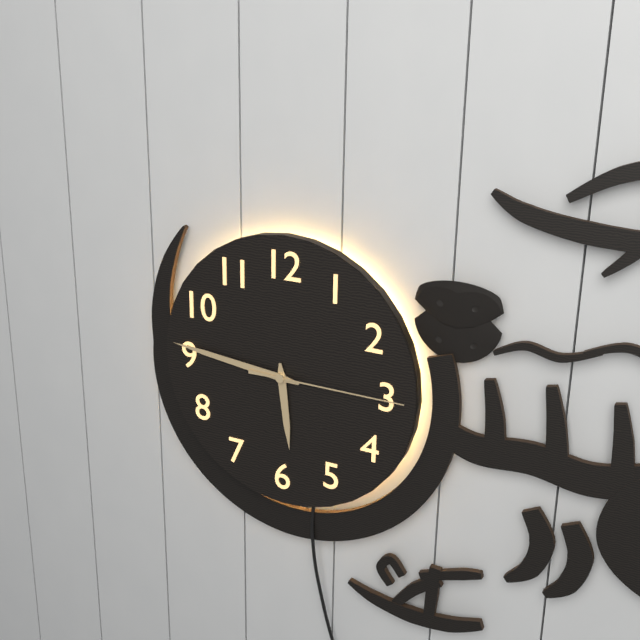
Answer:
5h46m15s
